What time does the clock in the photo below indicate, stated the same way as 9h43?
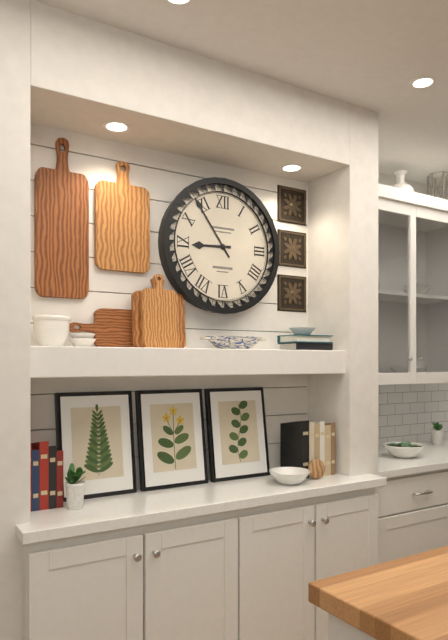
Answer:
8h54
